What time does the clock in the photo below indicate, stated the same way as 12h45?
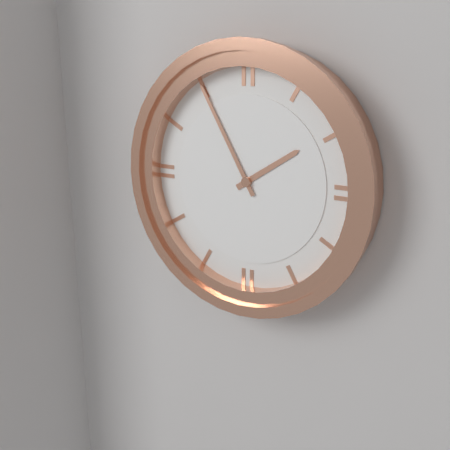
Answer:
1h55
